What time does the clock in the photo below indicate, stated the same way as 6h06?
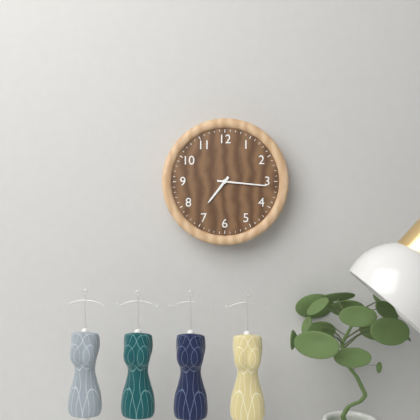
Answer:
7h16
